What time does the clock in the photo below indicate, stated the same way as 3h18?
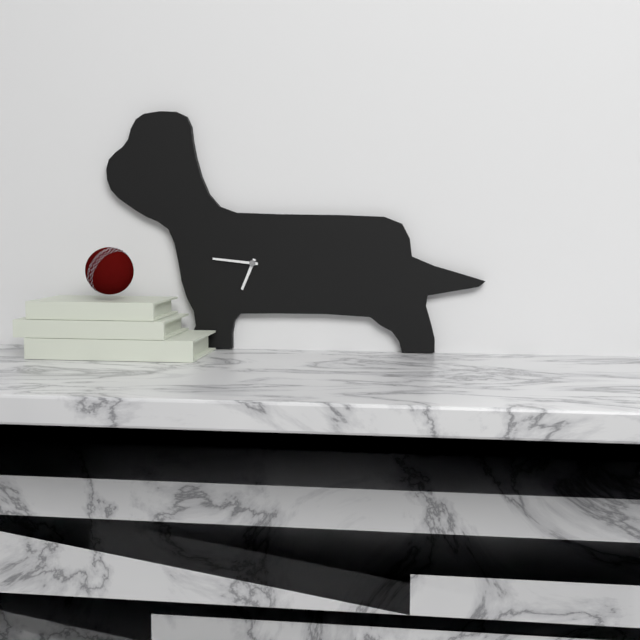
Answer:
6h46
